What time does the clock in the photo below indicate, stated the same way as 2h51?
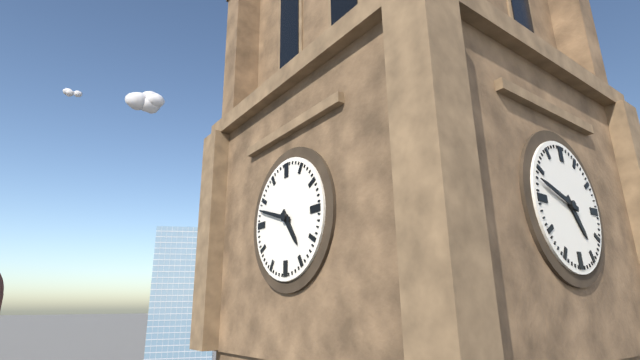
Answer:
4h48
